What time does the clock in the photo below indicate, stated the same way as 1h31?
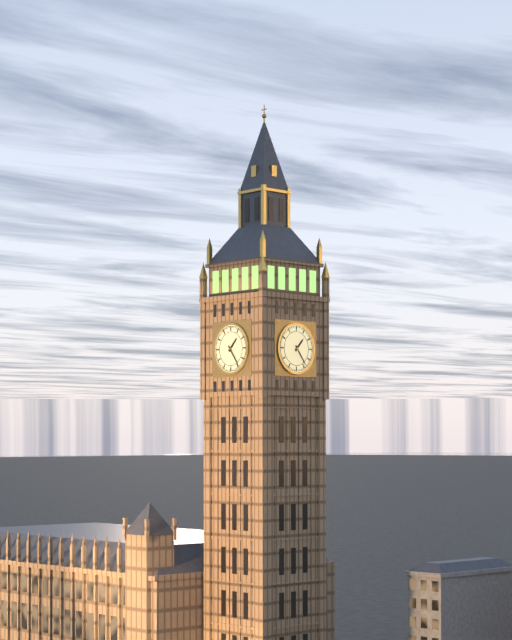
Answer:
1h24
